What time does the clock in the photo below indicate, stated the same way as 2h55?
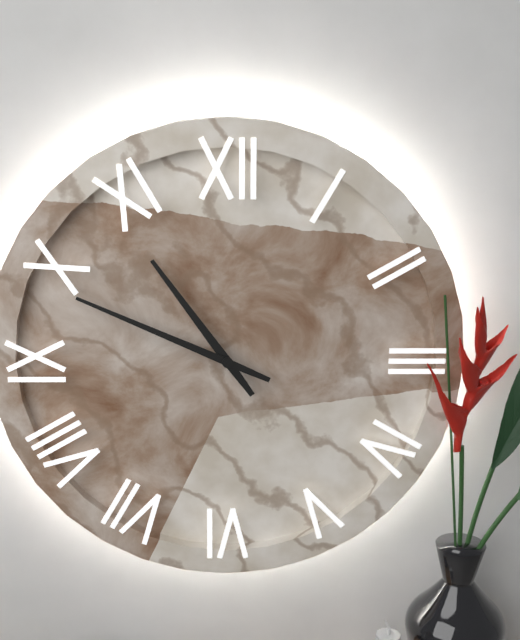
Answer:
10h49
